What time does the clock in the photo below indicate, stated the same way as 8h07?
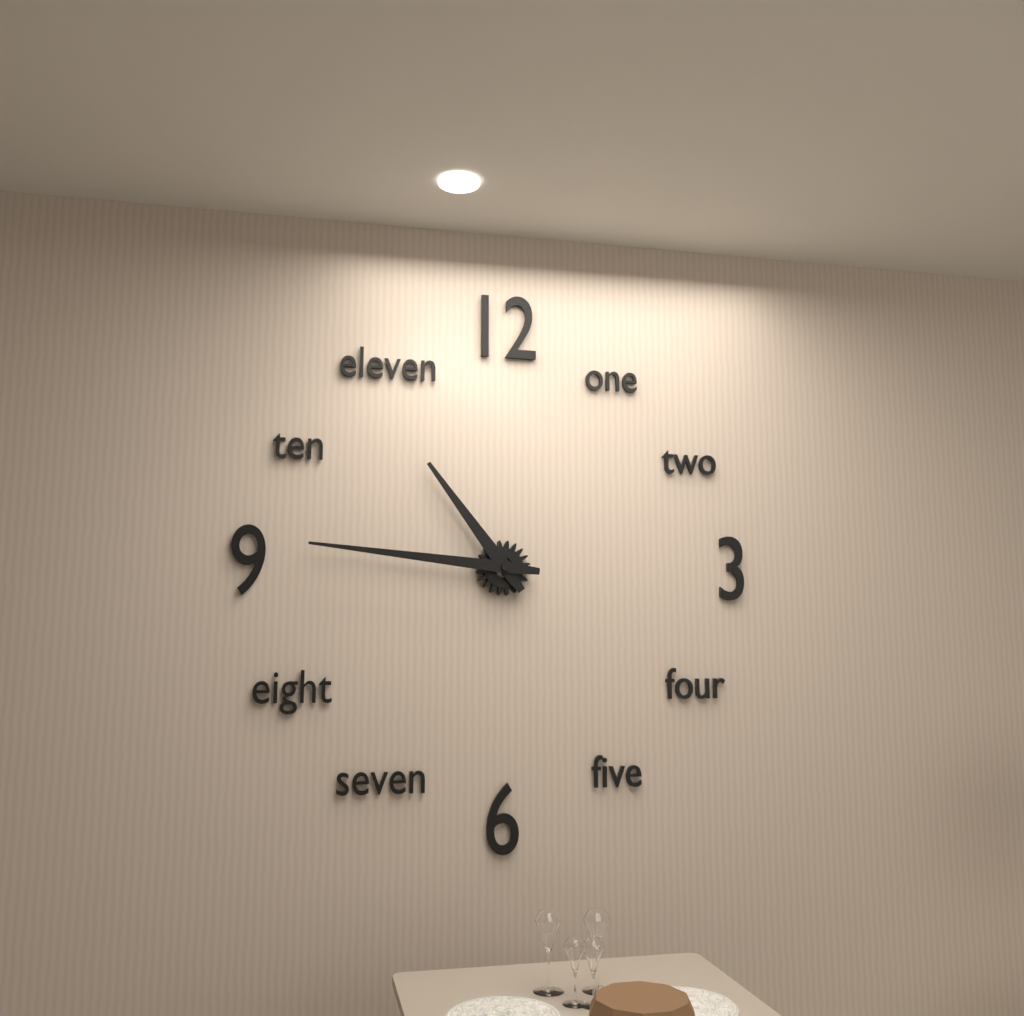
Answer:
10h46
